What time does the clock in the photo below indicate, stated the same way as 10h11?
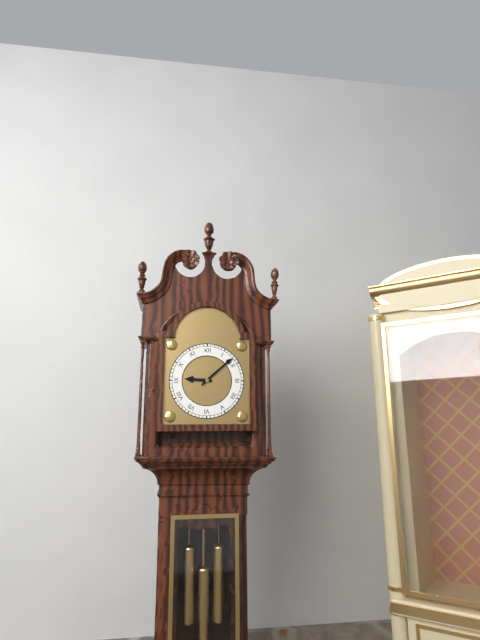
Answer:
9h08
